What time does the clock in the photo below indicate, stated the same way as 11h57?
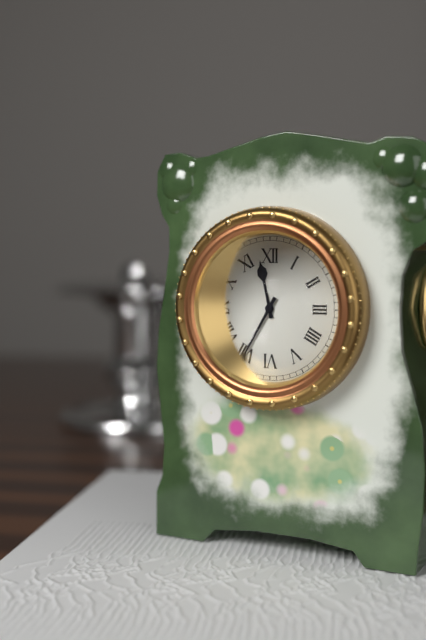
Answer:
11h35
